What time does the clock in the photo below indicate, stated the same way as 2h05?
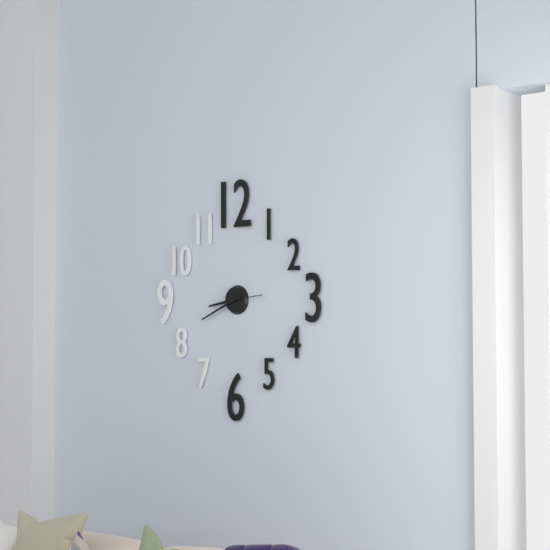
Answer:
8h41
